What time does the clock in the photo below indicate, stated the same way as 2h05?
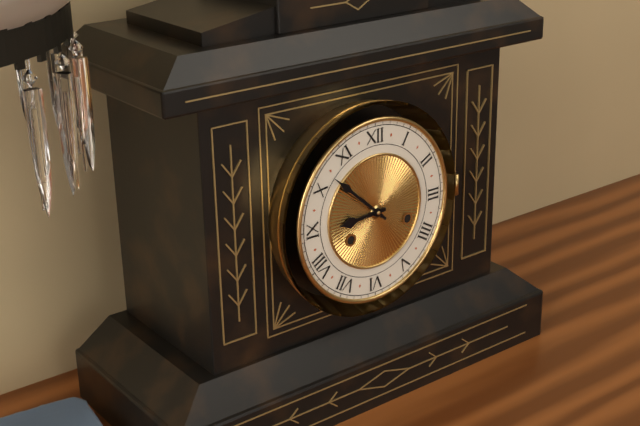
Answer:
8h52
